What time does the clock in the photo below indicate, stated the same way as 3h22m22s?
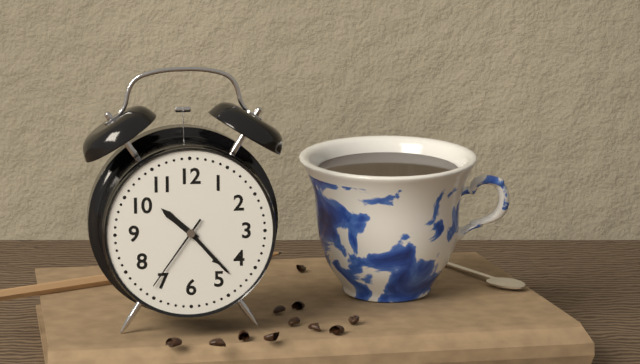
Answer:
10h23m36s
